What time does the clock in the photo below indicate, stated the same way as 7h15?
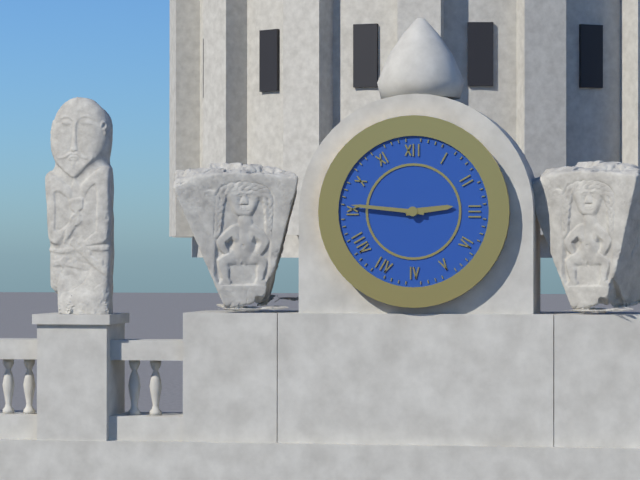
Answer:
2h46
